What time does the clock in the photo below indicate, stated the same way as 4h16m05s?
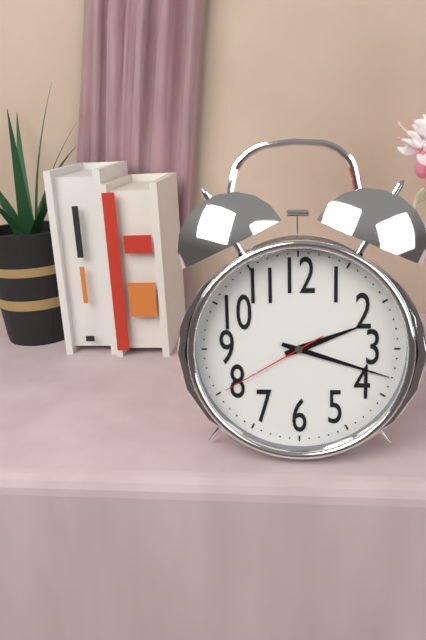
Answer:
2h18m40s
